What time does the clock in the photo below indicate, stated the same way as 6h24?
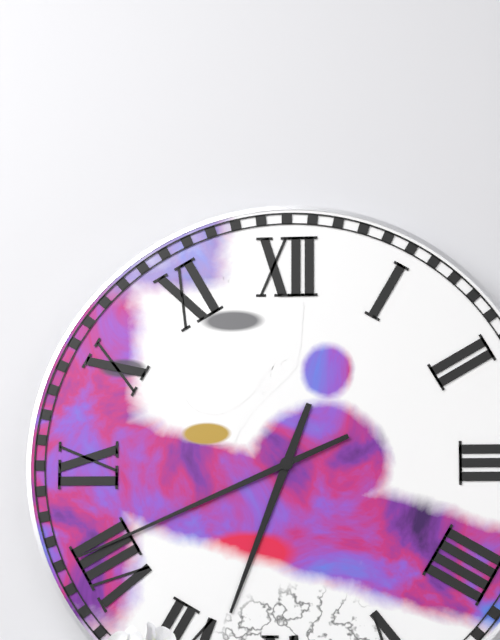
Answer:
6h41
